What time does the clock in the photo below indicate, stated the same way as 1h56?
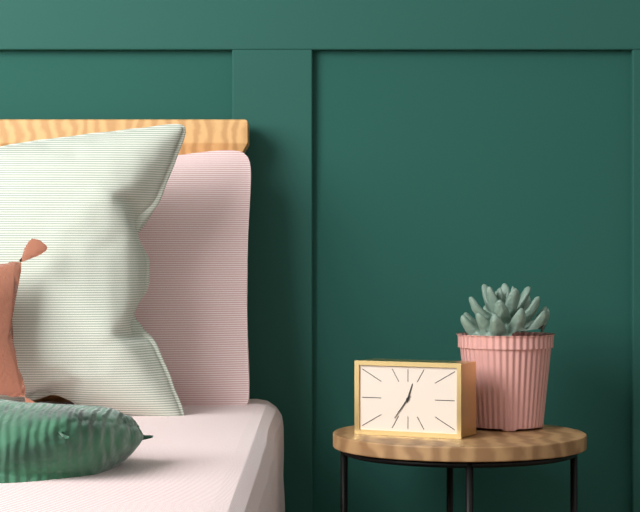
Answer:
12h36
